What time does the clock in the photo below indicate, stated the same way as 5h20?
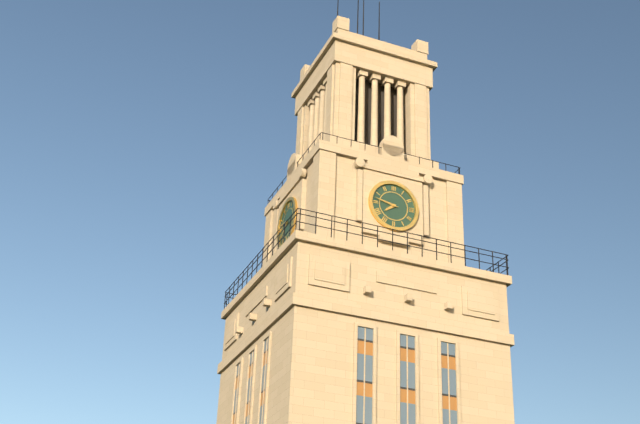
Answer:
7h47
